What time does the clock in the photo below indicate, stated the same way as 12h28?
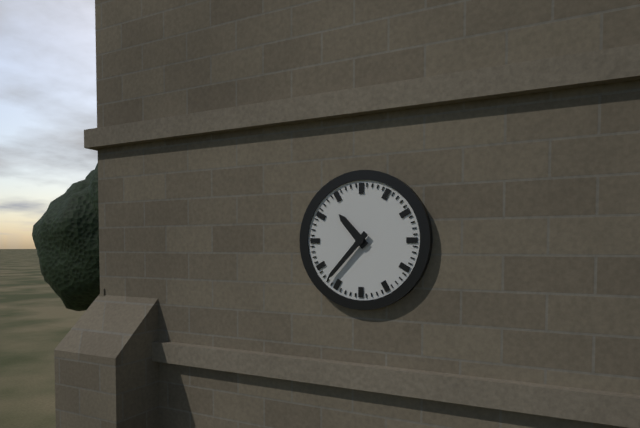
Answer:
10h37
